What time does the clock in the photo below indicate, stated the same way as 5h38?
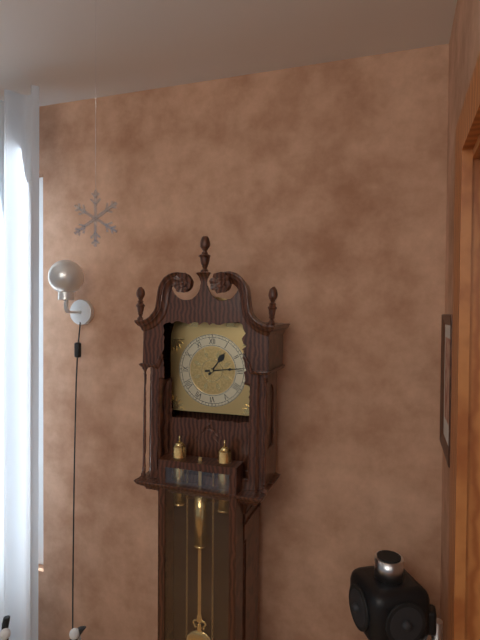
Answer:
1h14
